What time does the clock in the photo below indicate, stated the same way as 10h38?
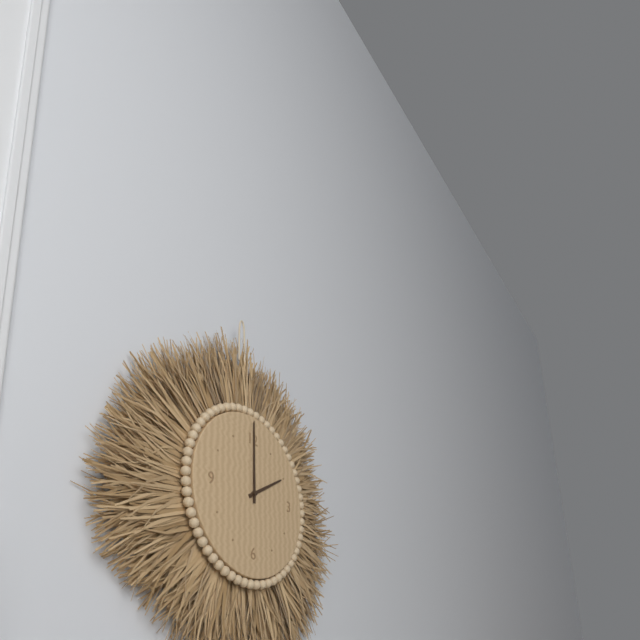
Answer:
2h00
